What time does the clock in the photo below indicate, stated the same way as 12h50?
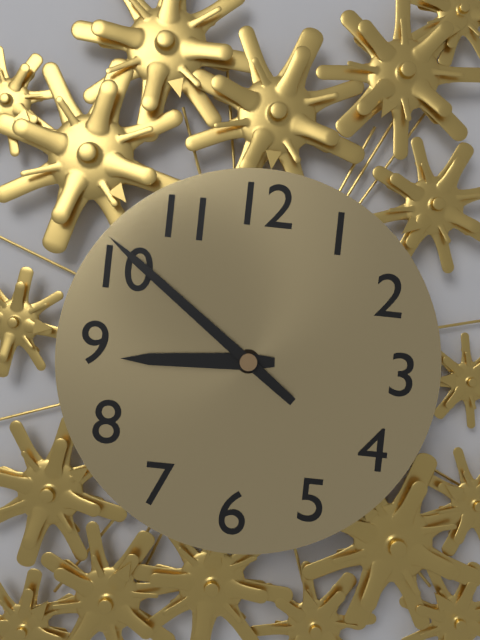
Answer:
8h51
